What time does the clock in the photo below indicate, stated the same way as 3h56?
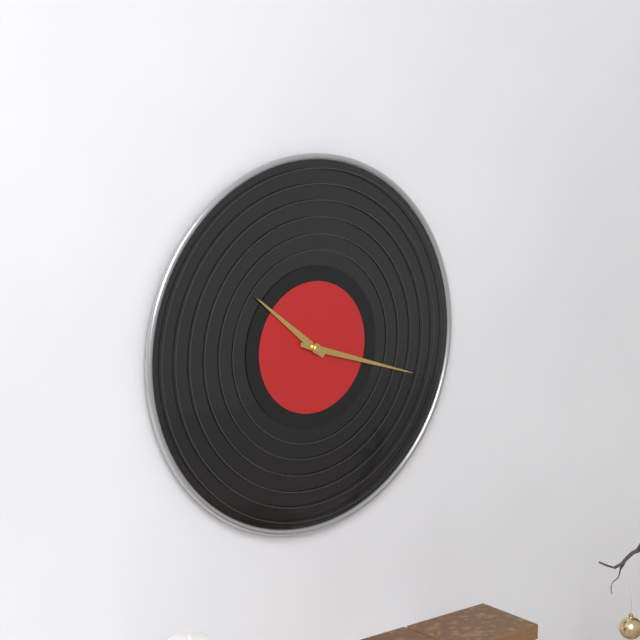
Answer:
10h18
